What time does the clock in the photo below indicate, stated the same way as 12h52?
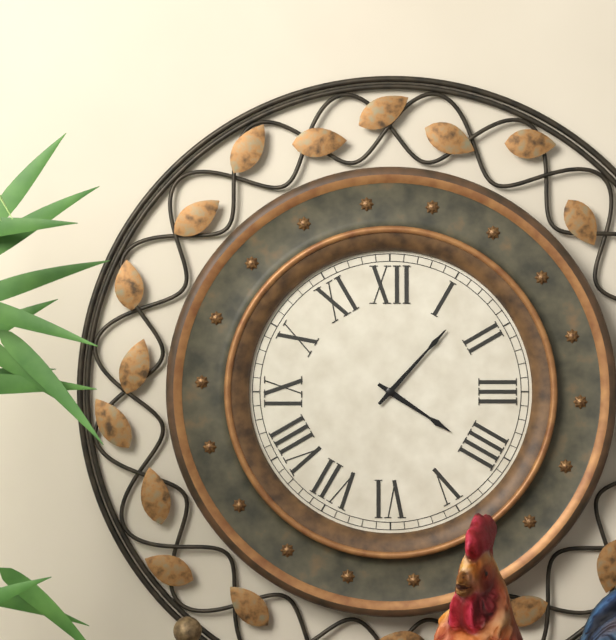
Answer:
4h07
